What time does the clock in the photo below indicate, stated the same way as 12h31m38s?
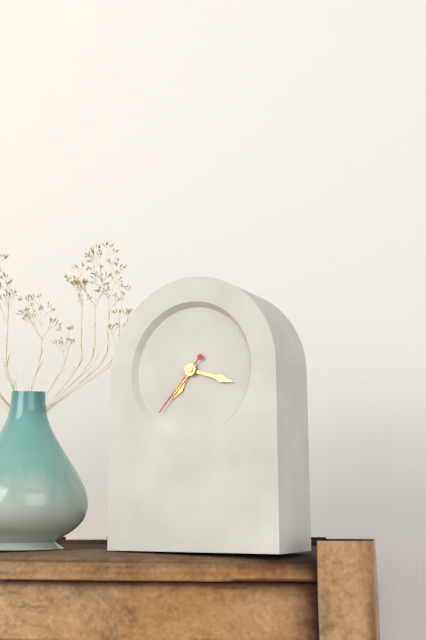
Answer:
7h18m37s
